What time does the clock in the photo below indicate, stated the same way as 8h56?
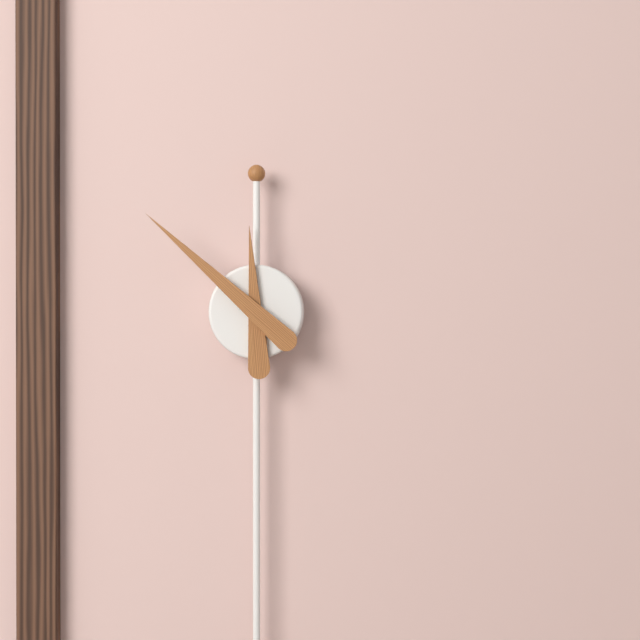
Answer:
11h52
